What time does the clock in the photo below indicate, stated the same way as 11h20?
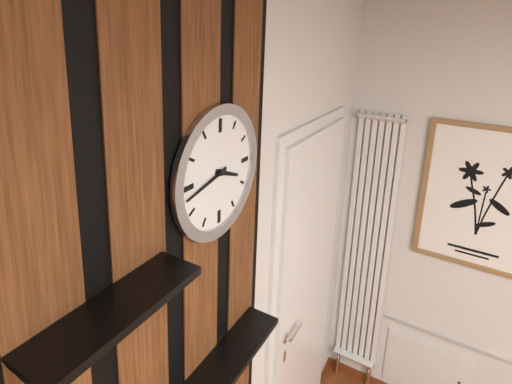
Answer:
3h43
